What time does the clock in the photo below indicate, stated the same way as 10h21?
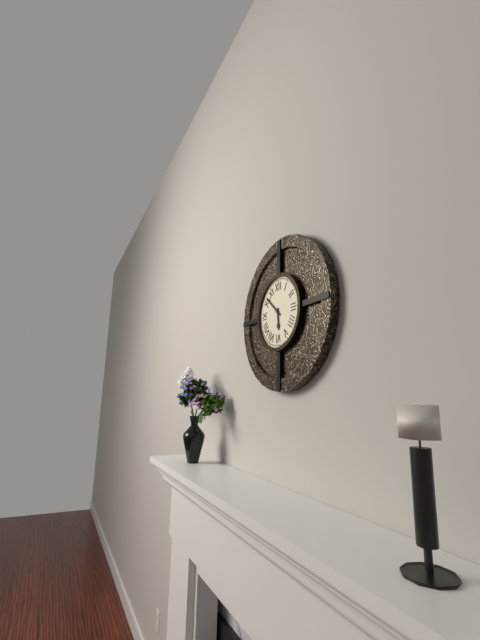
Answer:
5h52
